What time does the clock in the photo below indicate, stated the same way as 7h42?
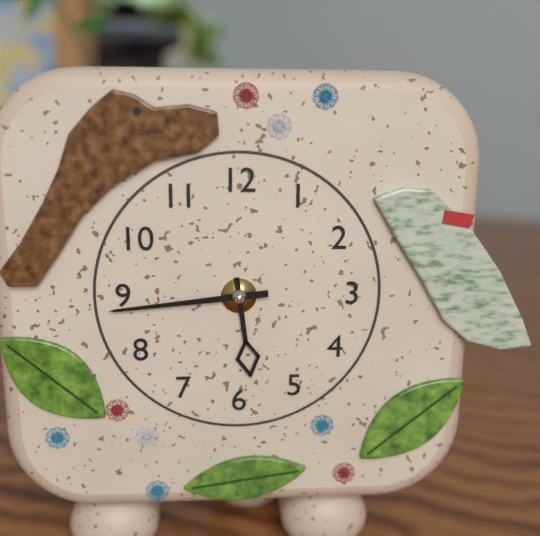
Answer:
5h44
